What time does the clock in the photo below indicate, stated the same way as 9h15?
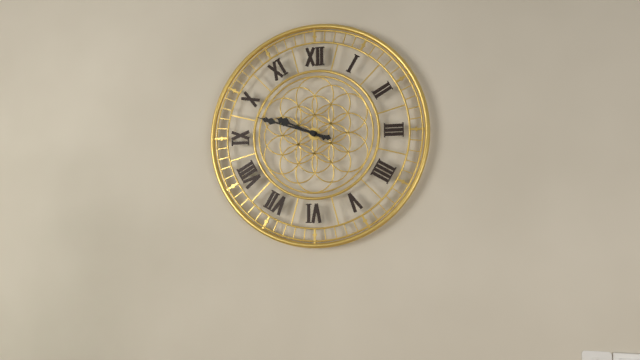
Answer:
9h48
